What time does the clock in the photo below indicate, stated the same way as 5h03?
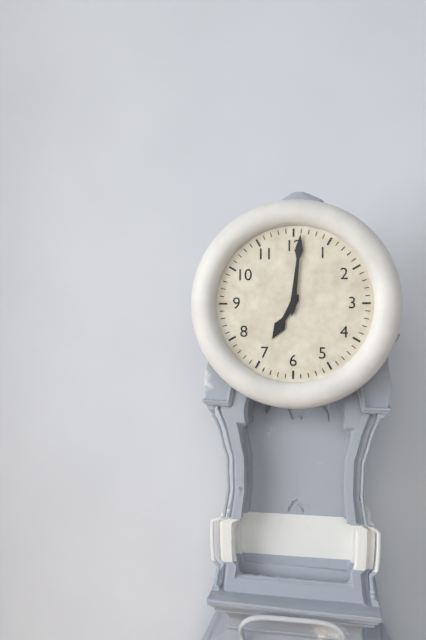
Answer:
7h01
